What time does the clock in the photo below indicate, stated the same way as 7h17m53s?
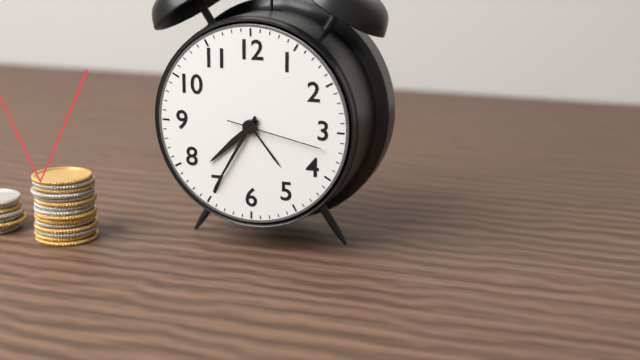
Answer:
7h35m17s
